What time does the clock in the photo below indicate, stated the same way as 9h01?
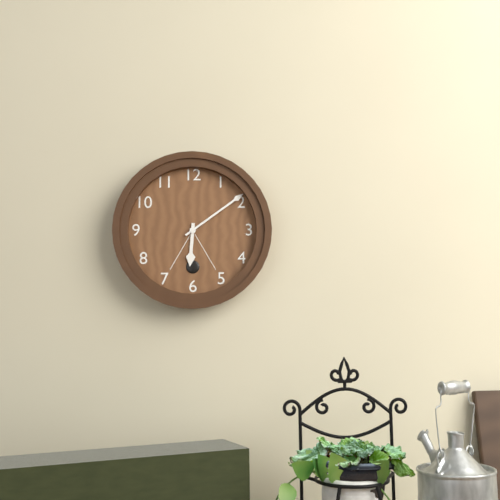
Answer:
6h09
